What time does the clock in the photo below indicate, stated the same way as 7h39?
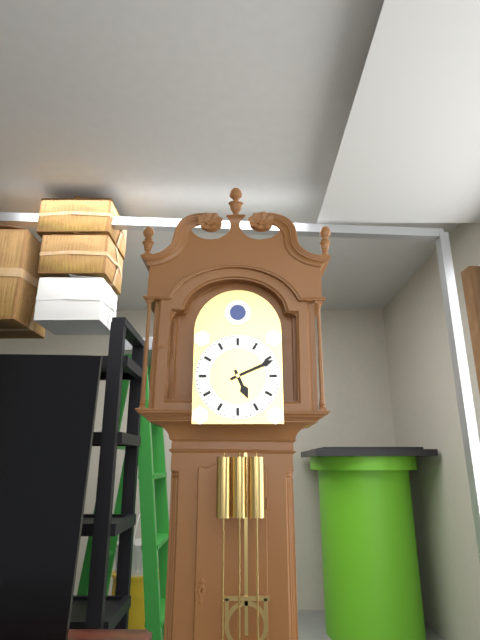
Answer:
5h11
